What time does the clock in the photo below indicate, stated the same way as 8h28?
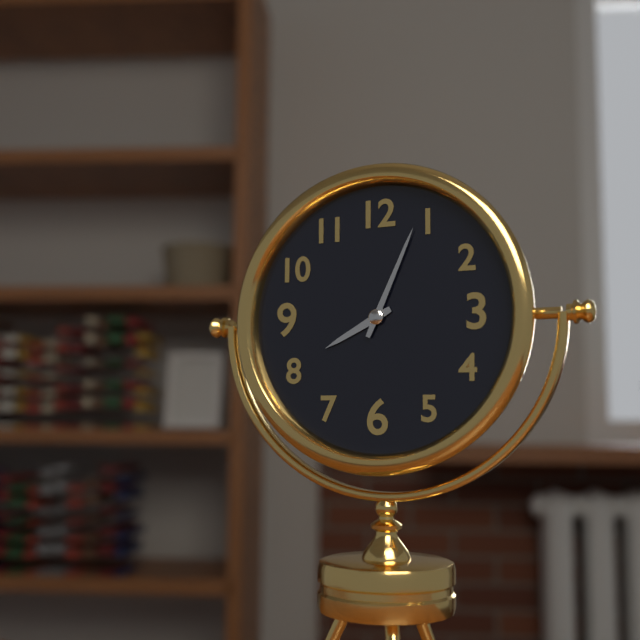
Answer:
8h04
